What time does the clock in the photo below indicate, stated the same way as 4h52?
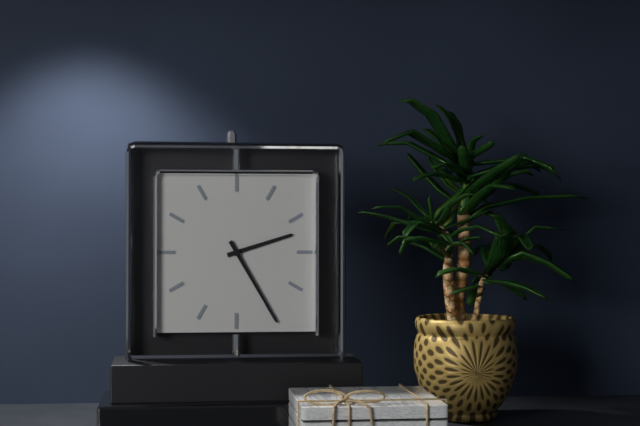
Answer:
2h25
